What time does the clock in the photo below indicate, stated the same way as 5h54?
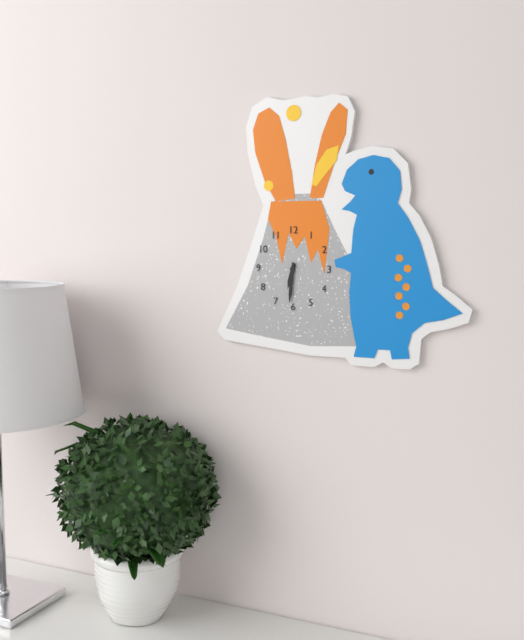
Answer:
6h31
